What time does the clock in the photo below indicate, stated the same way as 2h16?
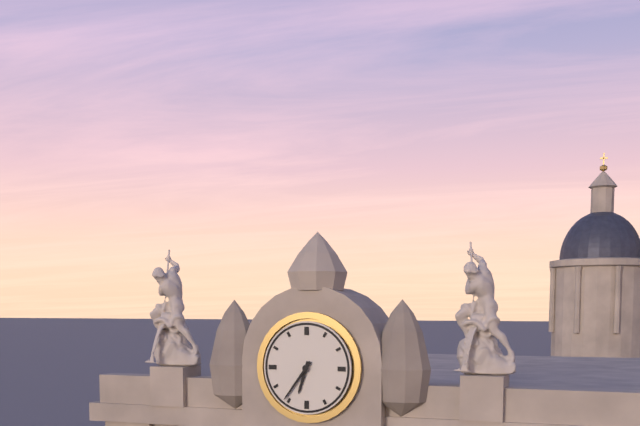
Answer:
6h36
